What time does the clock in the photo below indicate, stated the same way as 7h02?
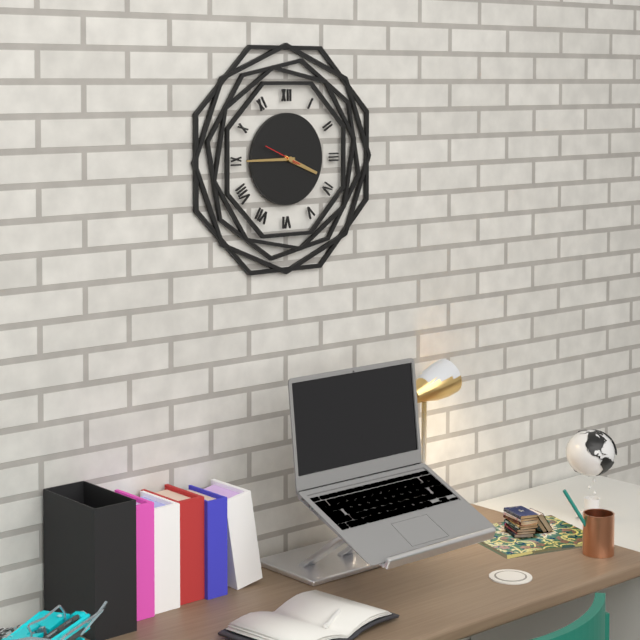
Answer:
3h45
